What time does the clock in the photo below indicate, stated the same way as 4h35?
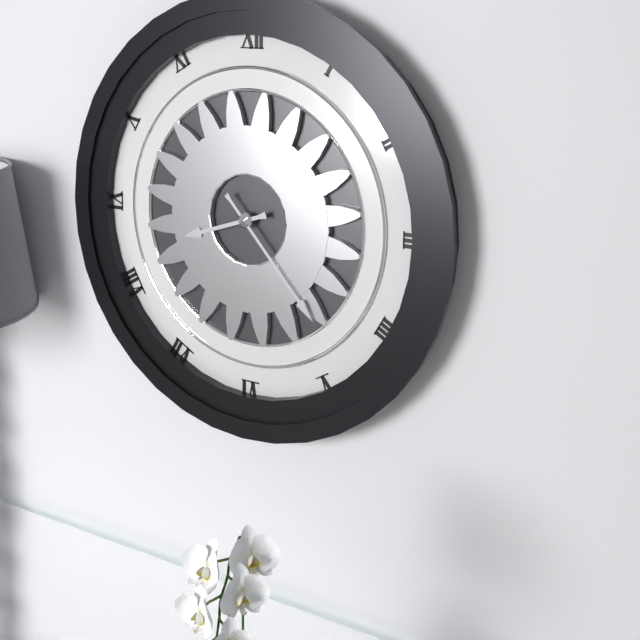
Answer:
8h23
